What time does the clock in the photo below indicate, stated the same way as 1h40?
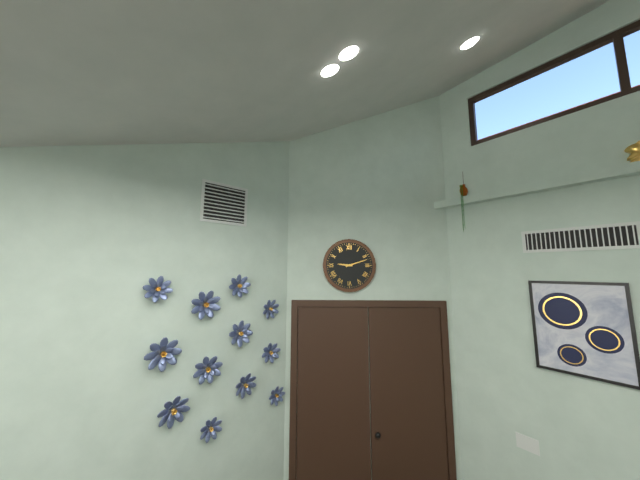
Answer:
9h12
